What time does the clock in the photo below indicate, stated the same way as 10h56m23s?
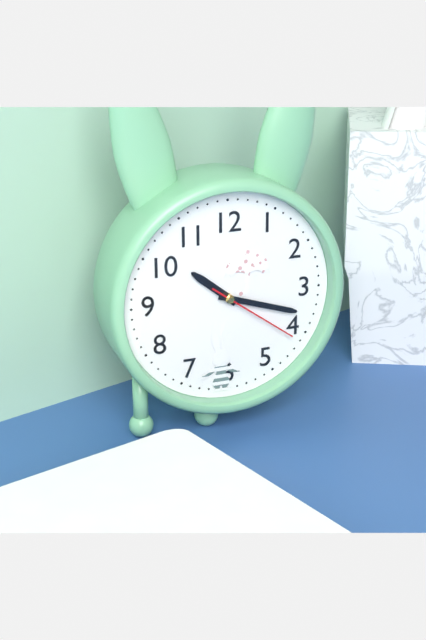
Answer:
10h18m21s
